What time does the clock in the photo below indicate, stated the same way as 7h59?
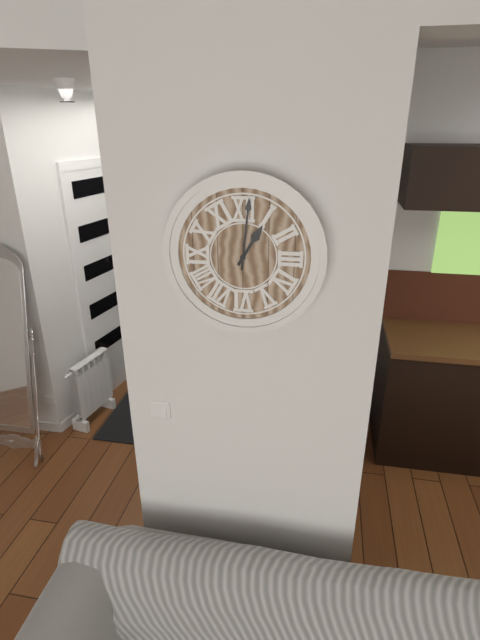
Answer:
1h01
